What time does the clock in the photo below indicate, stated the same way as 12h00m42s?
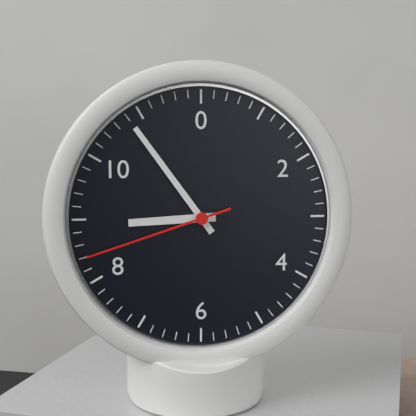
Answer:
8h54m42s
